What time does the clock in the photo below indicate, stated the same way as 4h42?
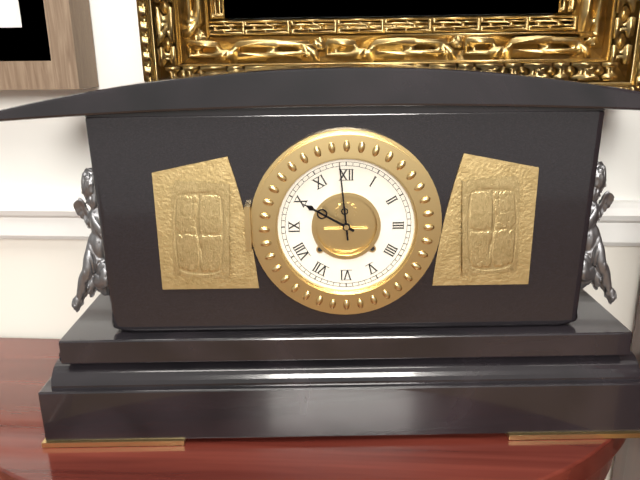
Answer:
9h59
